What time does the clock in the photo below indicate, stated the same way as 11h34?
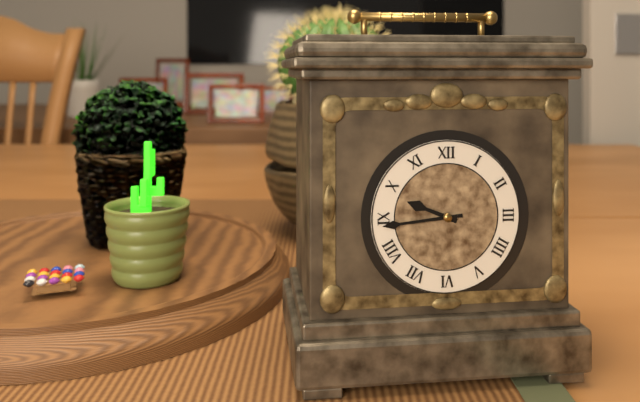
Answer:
9h44
